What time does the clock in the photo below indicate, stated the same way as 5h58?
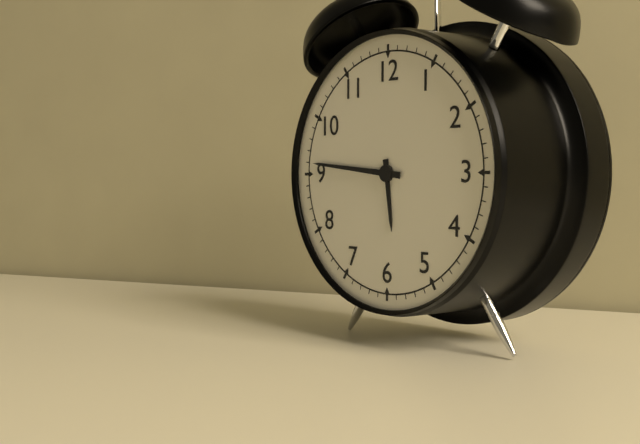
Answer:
5h46
